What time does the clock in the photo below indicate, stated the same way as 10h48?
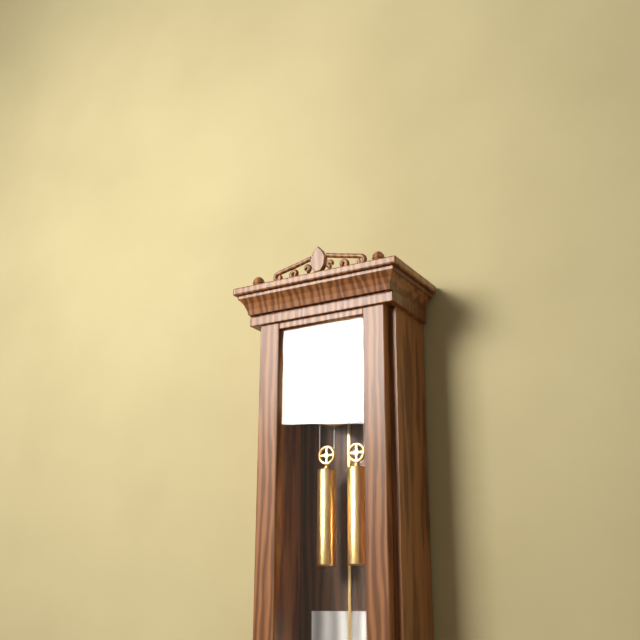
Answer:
9h02
